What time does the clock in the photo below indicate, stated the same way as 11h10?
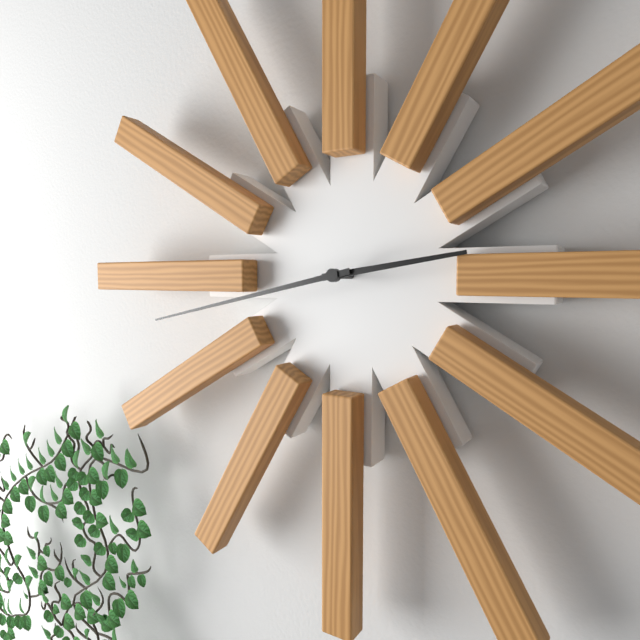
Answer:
2h43
